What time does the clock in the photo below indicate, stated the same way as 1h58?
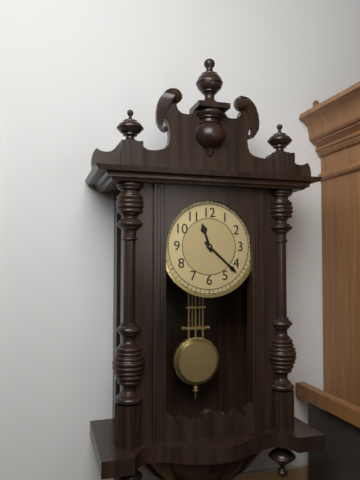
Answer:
11h22
